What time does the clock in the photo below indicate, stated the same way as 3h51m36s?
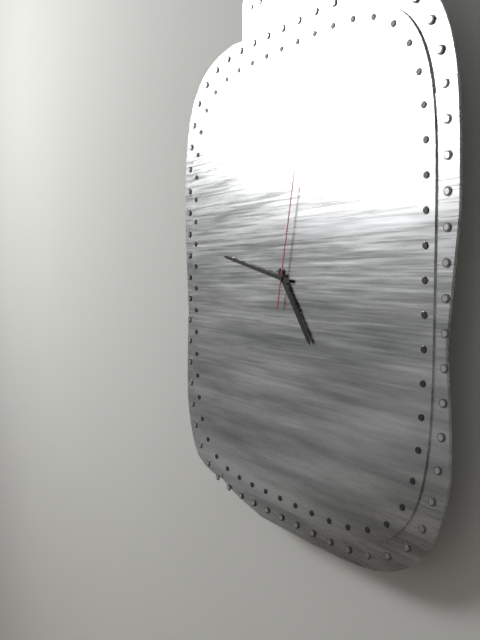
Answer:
4h47m02s
